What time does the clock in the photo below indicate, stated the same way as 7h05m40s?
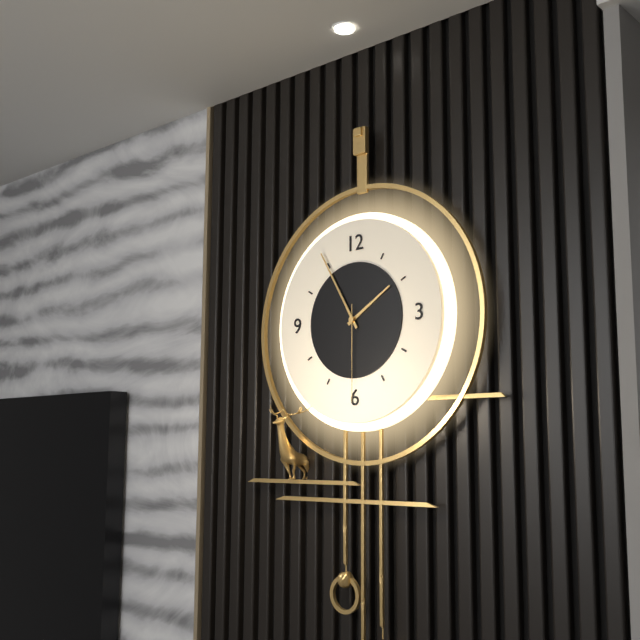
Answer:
1h55m30s
